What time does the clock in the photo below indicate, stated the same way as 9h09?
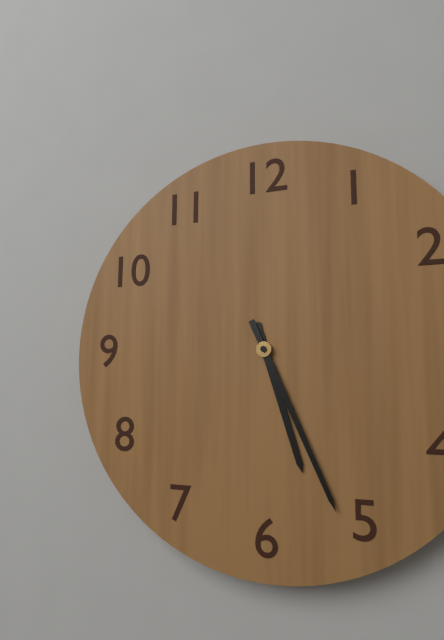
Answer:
5h26
